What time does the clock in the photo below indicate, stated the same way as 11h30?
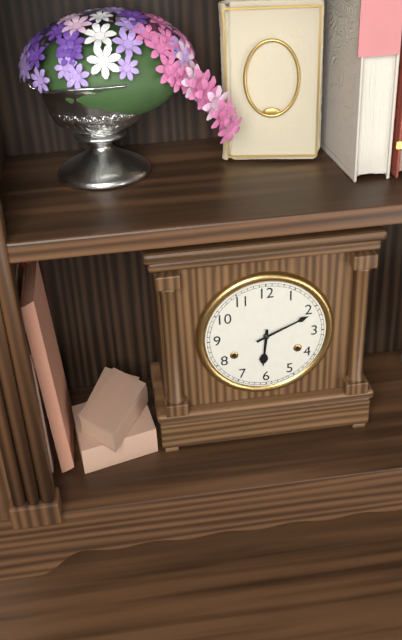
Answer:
6h11
